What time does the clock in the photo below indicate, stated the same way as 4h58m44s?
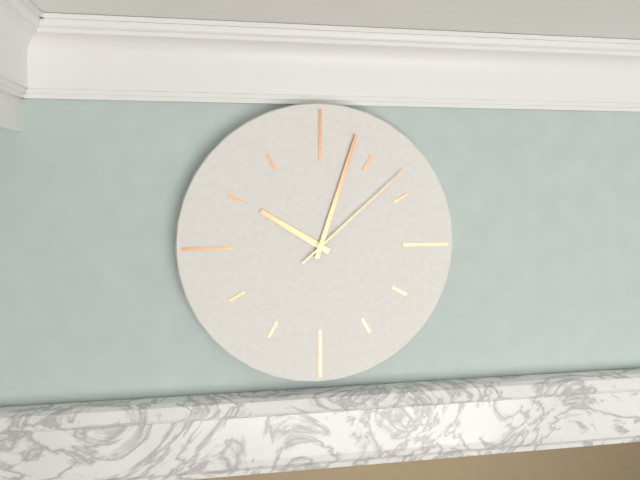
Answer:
10h03m08s
